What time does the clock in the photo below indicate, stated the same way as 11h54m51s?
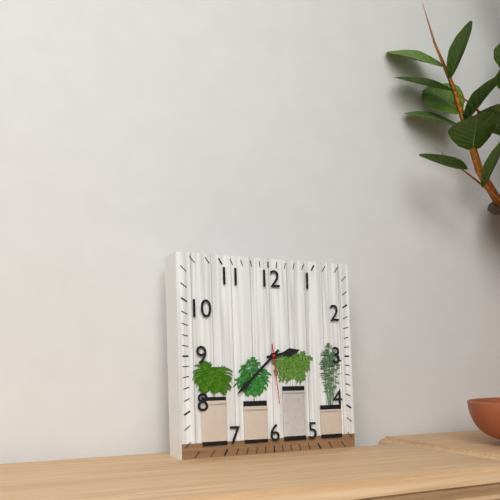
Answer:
2h38m29s
